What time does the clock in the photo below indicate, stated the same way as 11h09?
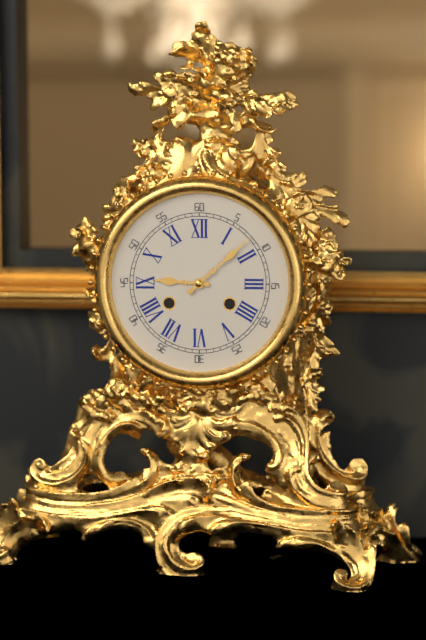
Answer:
9h08
